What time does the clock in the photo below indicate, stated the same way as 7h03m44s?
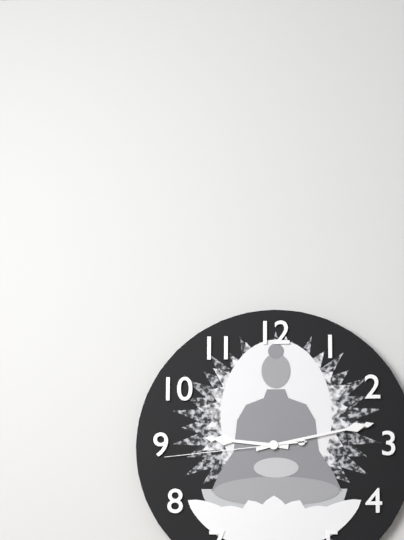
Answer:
9h13m44s
